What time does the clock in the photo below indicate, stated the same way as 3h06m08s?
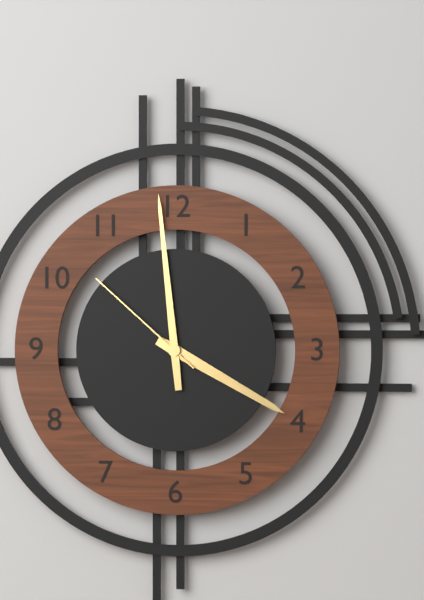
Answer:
3h59m52s
